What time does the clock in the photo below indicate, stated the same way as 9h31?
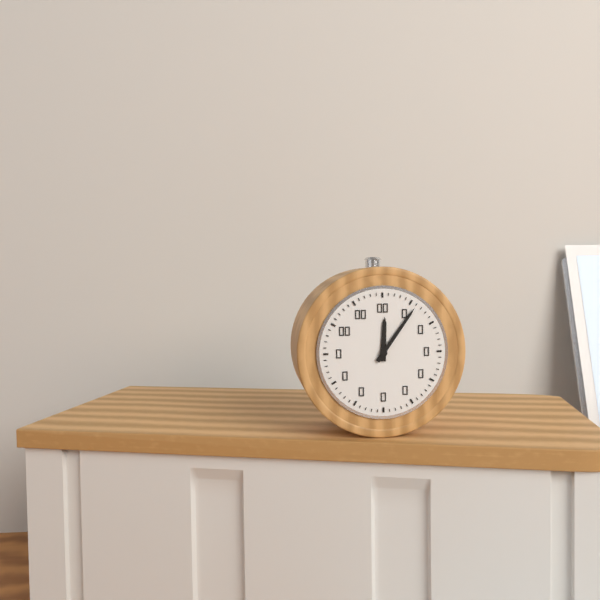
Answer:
12h06
